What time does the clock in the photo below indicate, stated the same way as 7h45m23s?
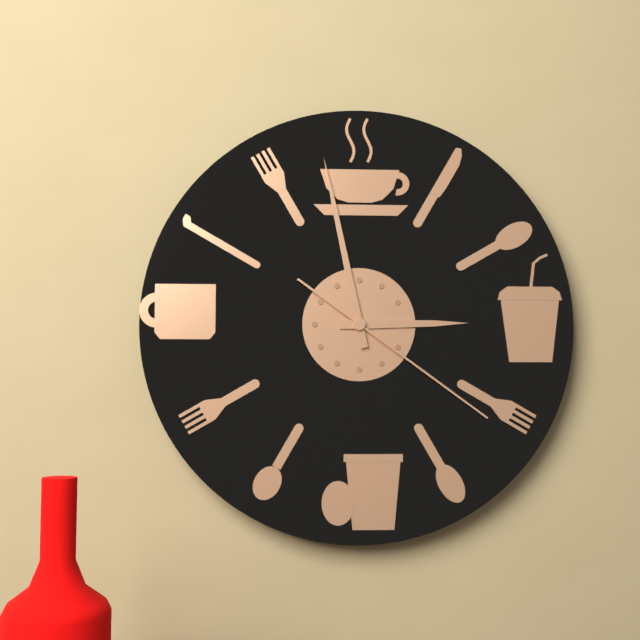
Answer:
2h58m21s
